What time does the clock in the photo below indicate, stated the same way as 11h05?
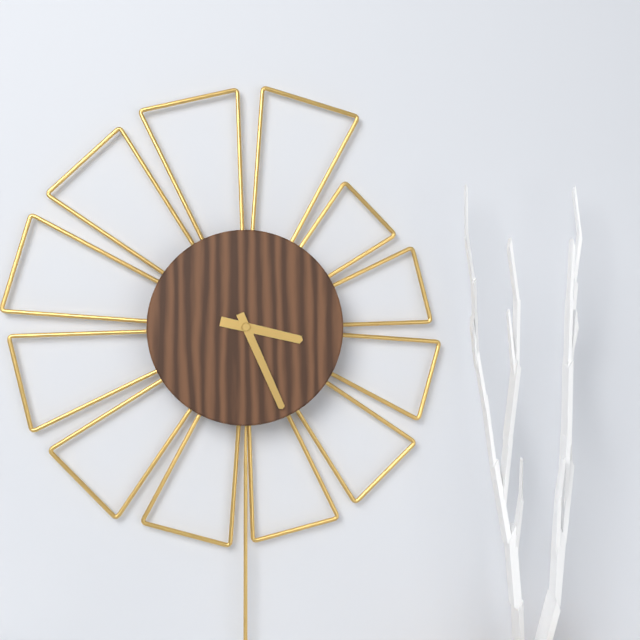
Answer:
3h26
